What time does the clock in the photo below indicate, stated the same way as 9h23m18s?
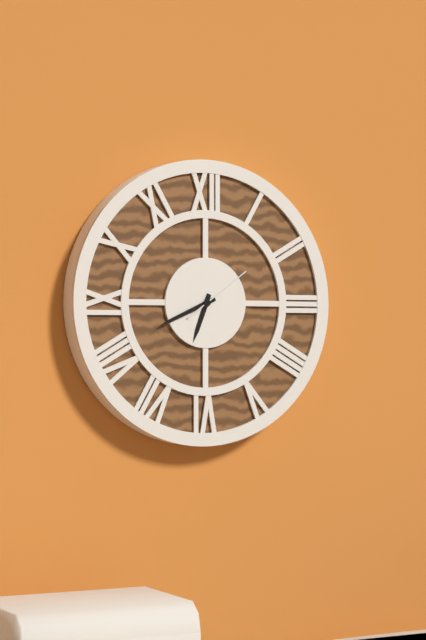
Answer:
6h41m09s
